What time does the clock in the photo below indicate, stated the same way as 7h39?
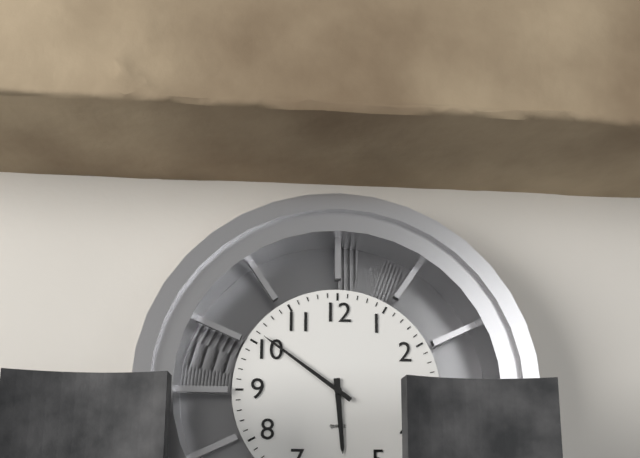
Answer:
5h51
